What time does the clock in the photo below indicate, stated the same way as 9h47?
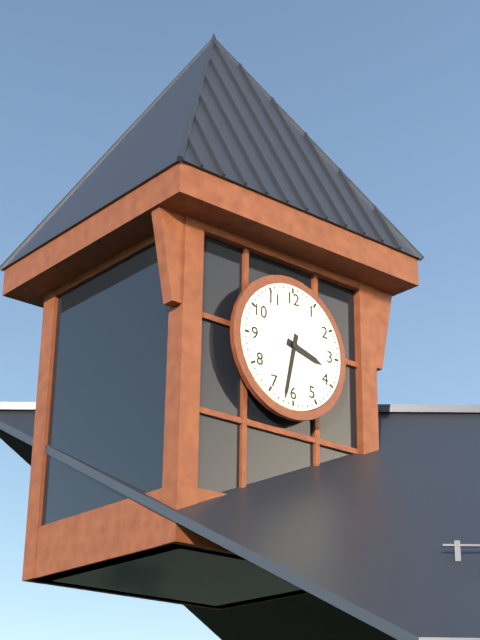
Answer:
3h32
